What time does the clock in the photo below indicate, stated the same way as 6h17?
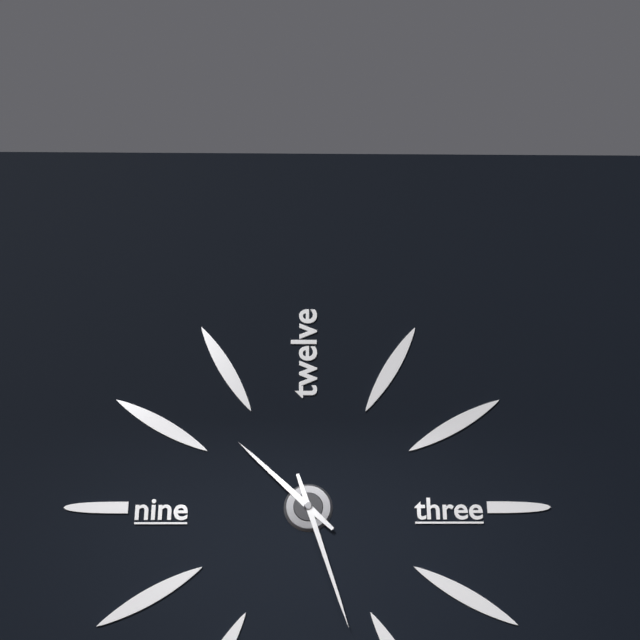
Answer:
10h27
